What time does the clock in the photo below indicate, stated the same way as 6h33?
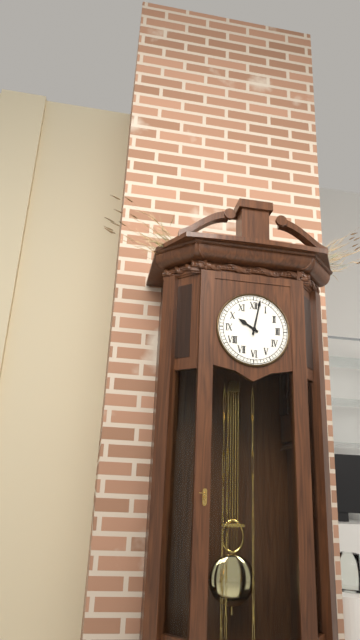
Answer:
10h02
